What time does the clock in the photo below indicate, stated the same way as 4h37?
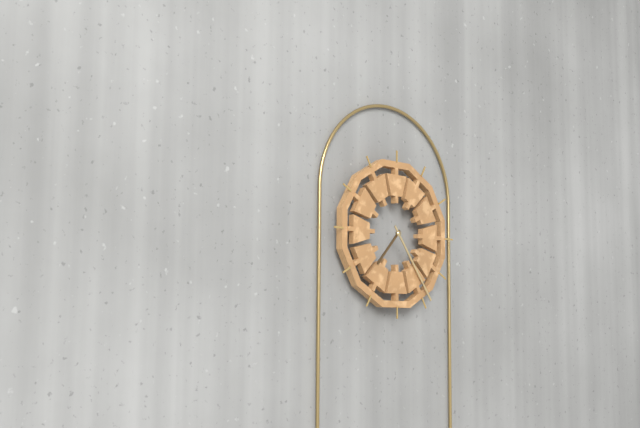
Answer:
7h24
